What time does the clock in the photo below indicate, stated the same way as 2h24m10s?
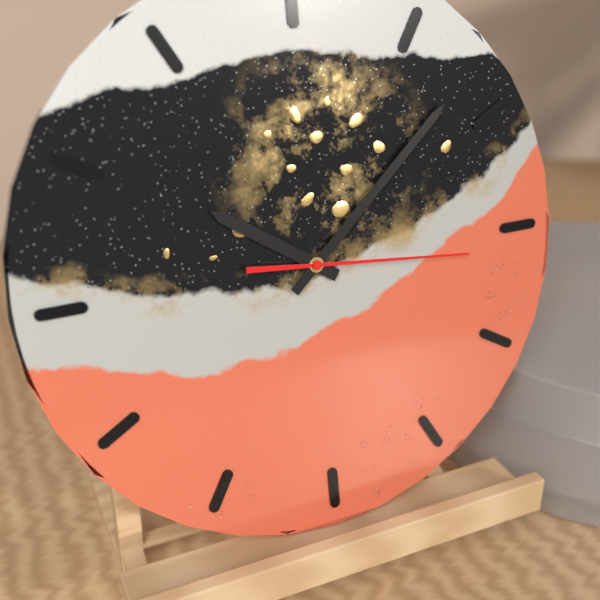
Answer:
10h08m16s
